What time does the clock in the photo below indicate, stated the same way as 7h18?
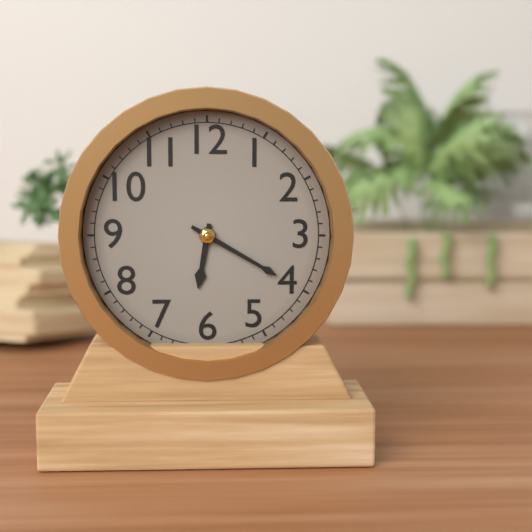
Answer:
6h20
